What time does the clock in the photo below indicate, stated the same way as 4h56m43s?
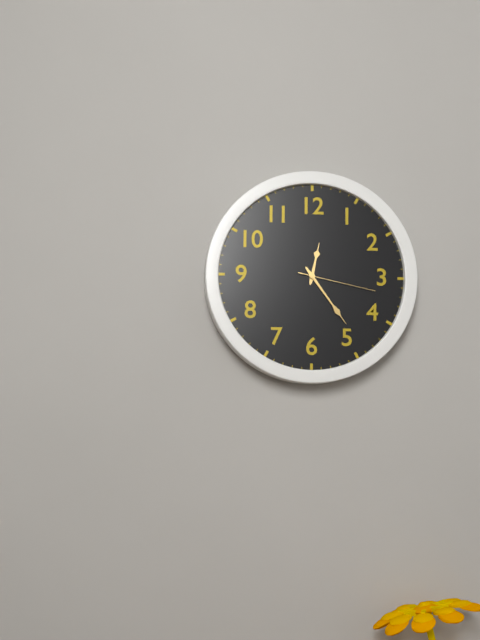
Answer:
12h24m17s
